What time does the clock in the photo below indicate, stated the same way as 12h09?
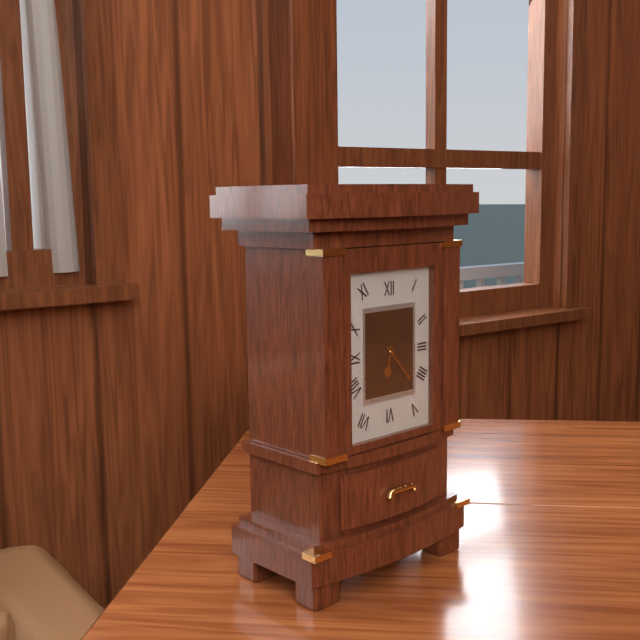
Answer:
6h23
